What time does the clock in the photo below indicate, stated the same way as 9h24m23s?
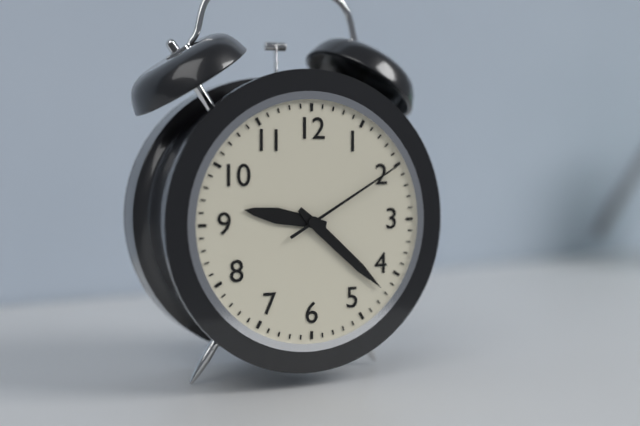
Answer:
9h22m10s
